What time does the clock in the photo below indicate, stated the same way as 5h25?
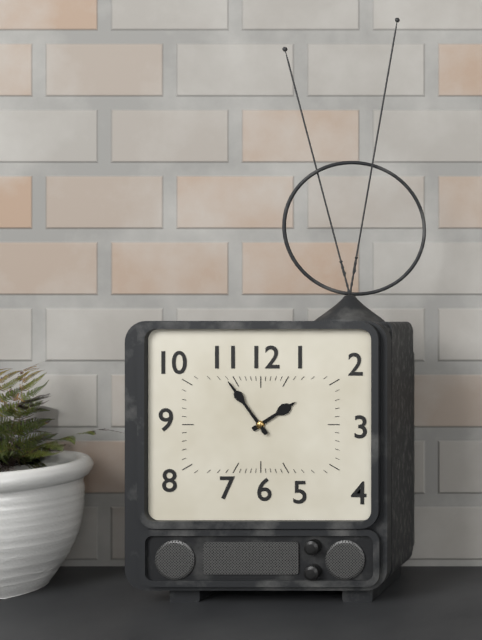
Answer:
1h54
